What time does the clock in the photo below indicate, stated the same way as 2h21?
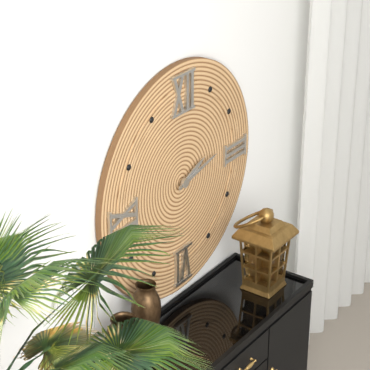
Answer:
2h13
